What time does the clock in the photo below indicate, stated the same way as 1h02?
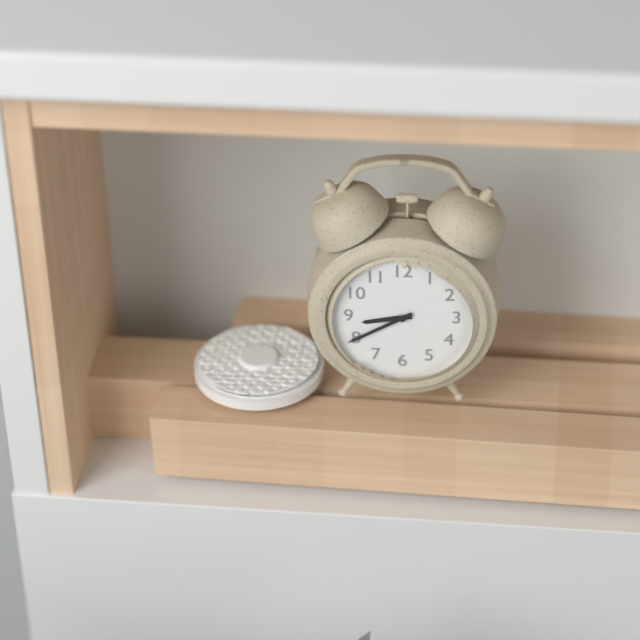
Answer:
8h40
